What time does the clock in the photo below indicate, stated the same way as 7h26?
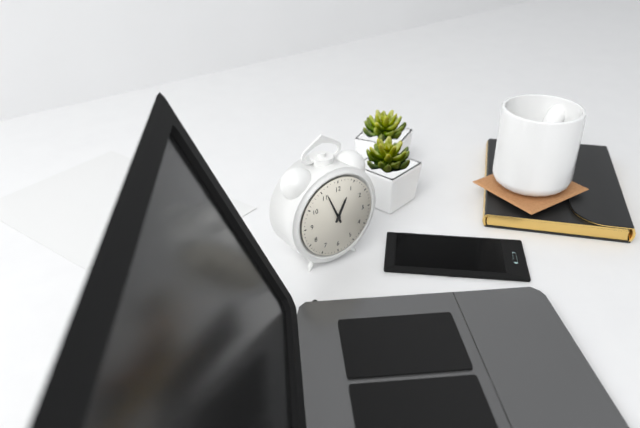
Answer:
12h56
